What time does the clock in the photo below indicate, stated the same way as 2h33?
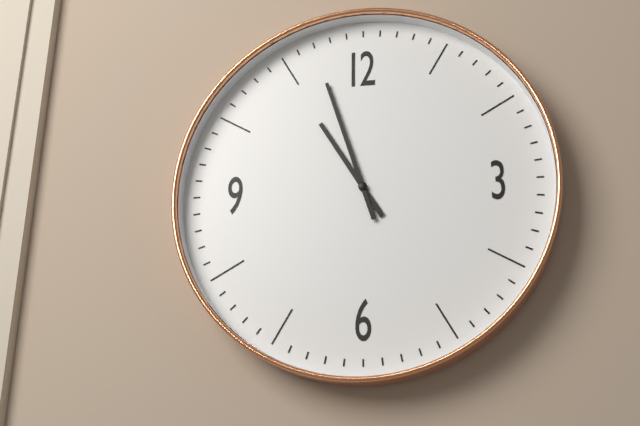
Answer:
10h57
